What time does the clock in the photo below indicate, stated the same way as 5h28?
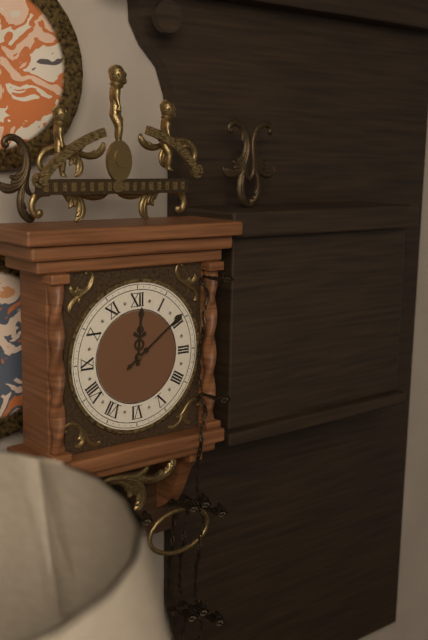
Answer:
12h09
